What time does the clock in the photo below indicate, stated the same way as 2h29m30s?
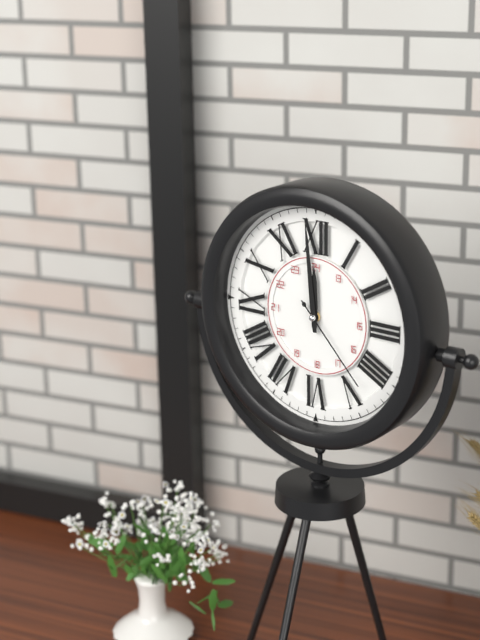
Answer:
11h59m23s
